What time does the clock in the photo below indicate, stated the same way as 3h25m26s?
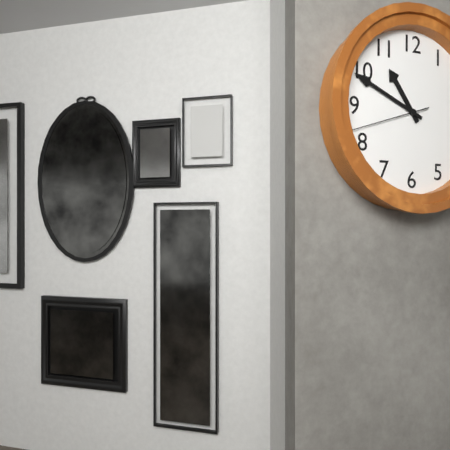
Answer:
10h49m42s
